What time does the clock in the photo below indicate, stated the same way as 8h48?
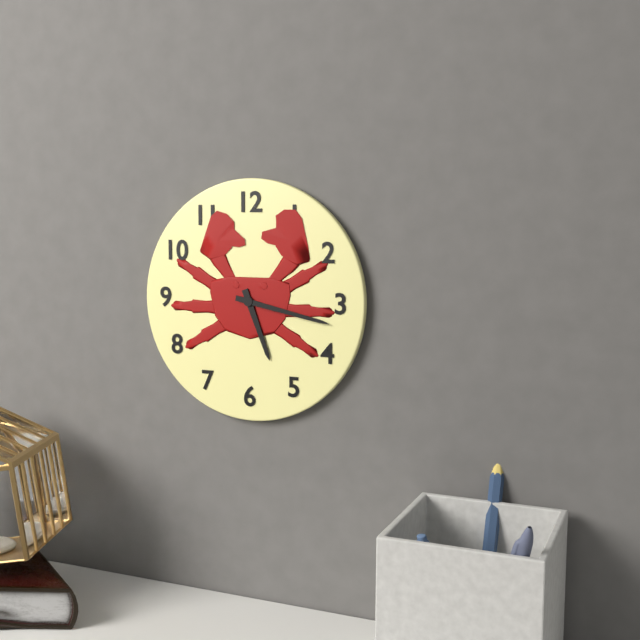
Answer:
5h17
